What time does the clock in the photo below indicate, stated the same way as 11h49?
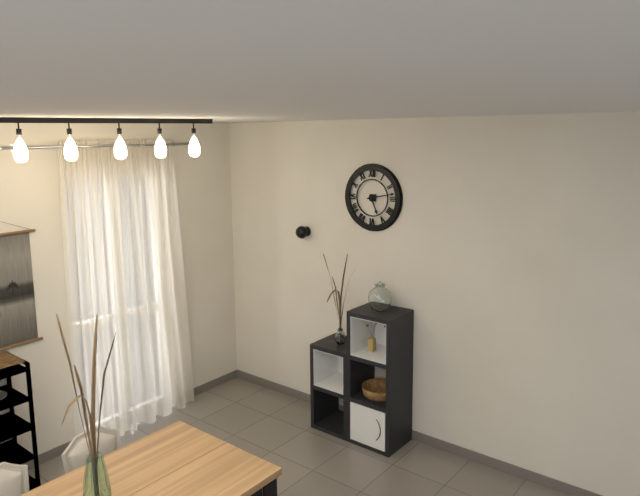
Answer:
5h13
